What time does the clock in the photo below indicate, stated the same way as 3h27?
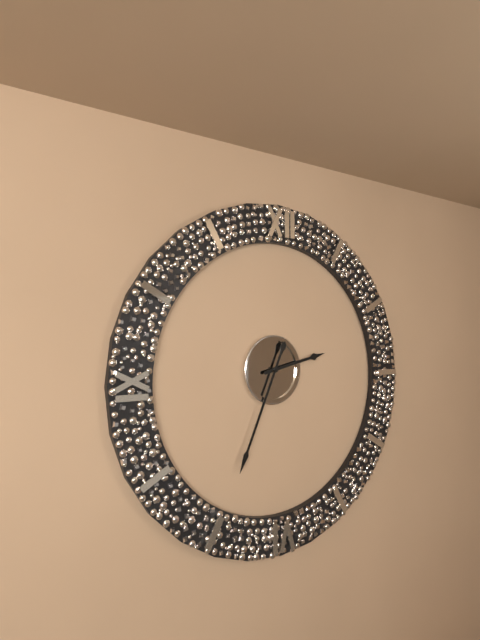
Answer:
2h34
